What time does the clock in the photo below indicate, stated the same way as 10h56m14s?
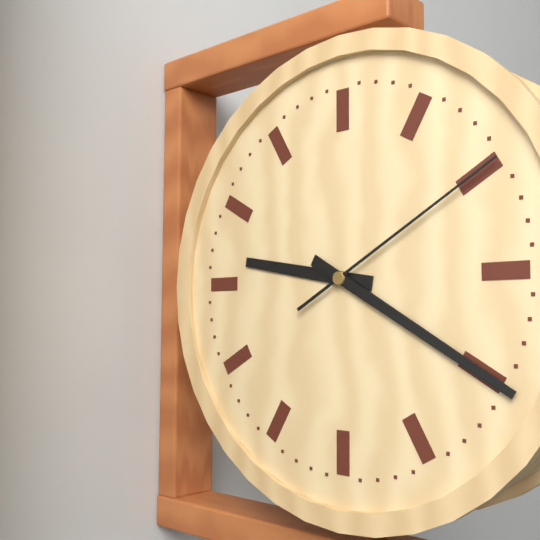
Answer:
9h20m10s
